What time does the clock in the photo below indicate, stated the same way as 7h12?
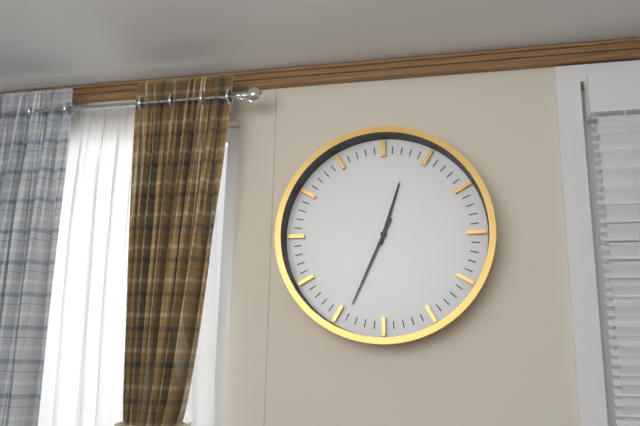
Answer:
12h34
